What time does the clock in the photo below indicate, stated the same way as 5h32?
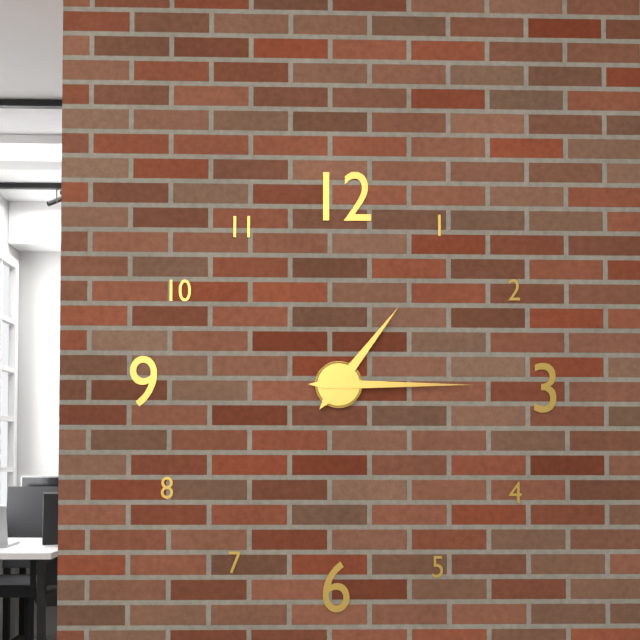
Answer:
1h15
